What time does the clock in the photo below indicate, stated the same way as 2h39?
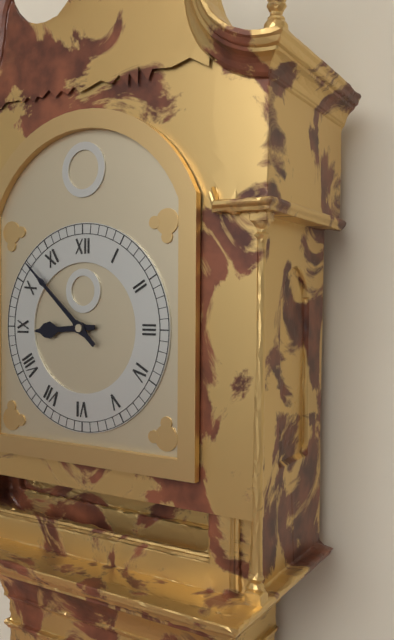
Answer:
8h52
